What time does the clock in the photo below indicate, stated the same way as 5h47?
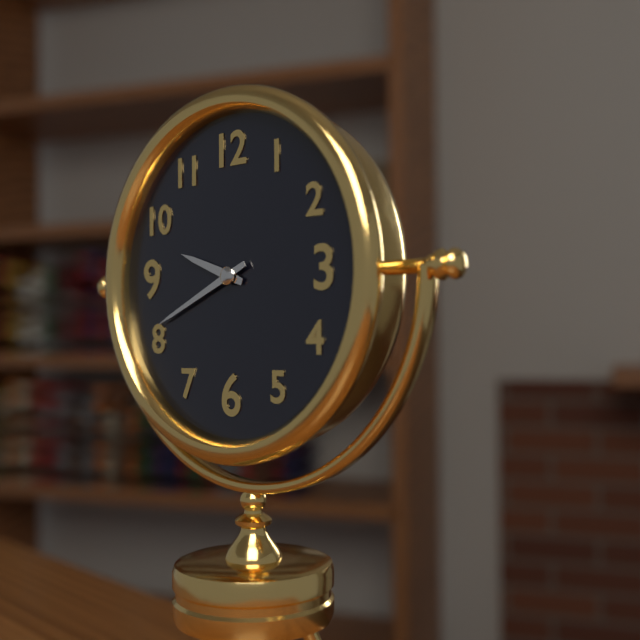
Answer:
9h41
